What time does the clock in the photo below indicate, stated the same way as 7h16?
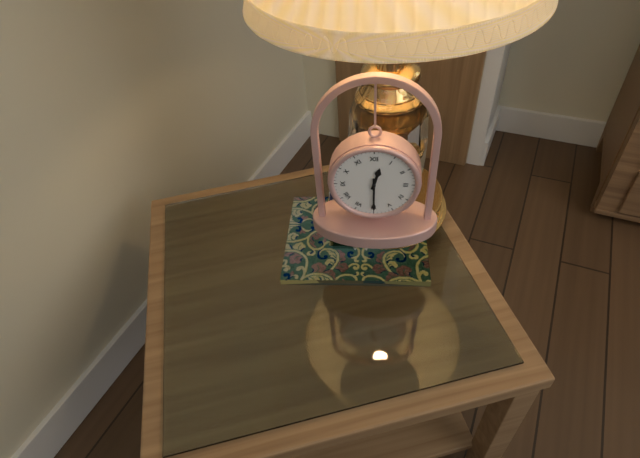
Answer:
12h30
